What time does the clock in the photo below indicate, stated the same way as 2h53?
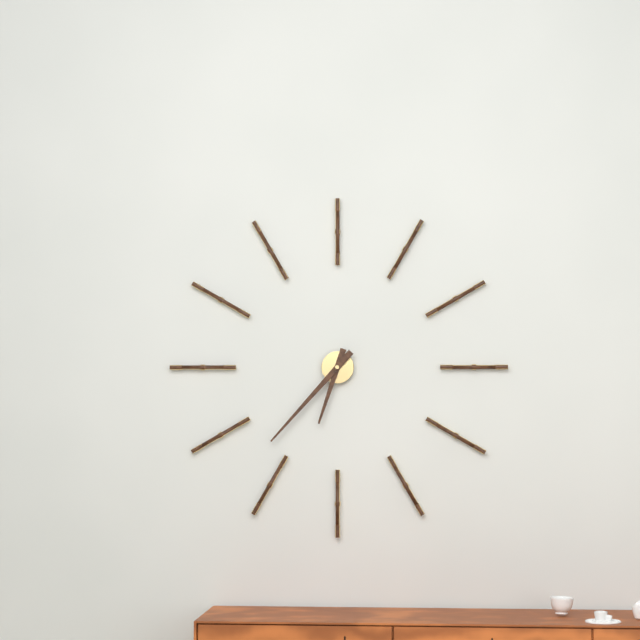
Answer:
6h37
